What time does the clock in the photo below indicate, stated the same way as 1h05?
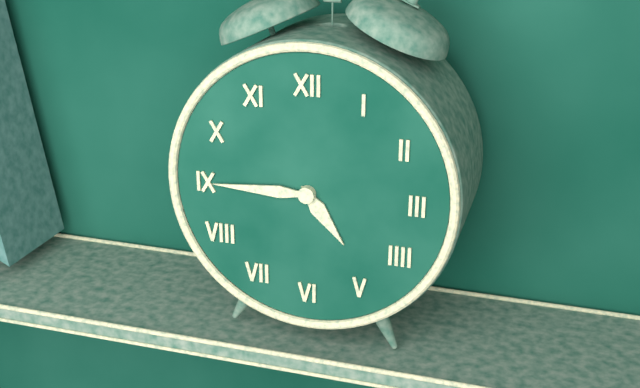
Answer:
4h45
